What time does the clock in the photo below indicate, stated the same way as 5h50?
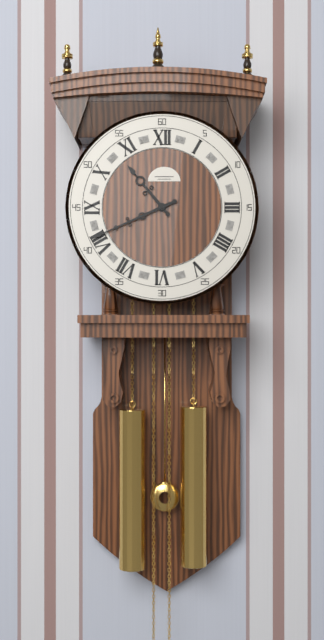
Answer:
10h41
